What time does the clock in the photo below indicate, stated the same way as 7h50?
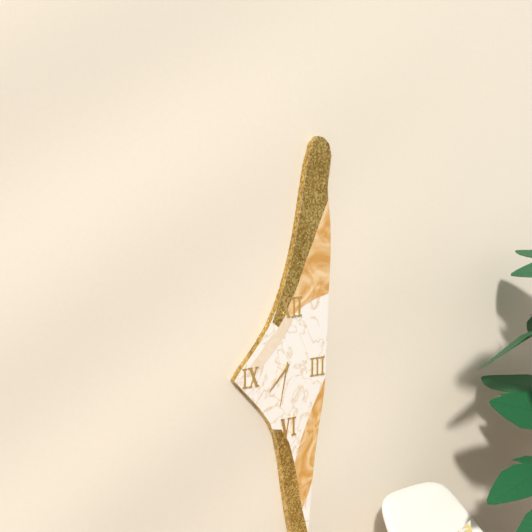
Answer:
7h32
